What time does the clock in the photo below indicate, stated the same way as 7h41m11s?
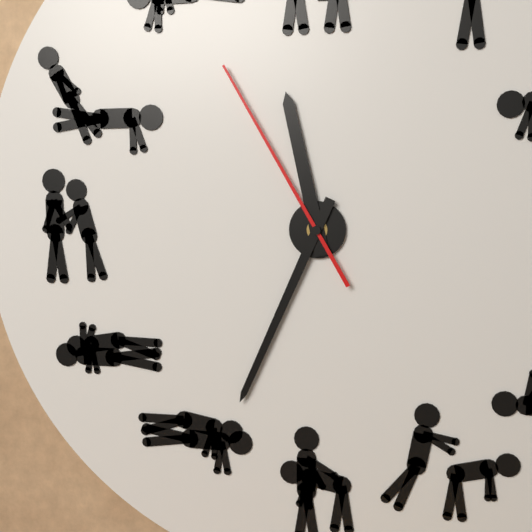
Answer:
11h34m55s
